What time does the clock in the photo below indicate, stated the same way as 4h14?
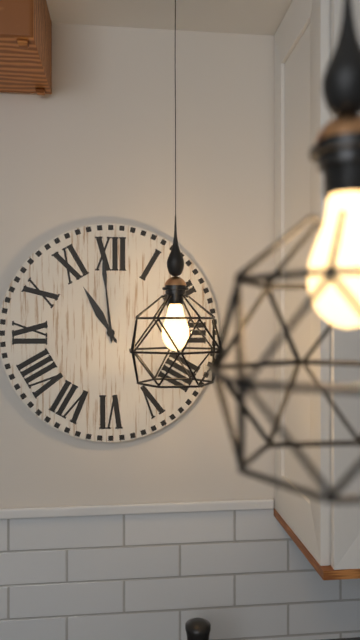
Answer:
10h59
